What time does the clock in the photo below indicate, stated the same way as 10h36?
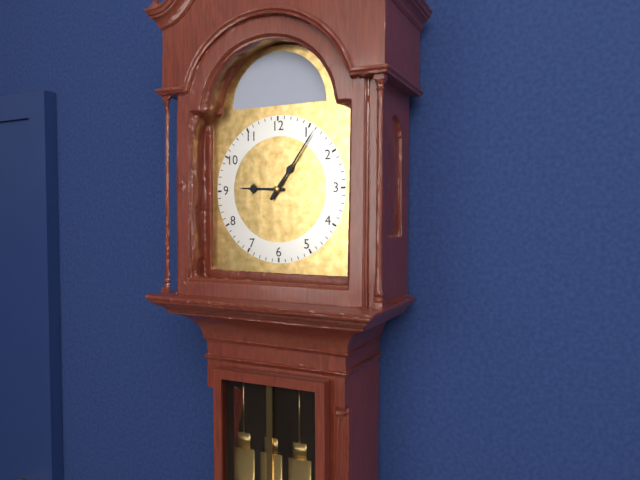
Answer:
9h06
